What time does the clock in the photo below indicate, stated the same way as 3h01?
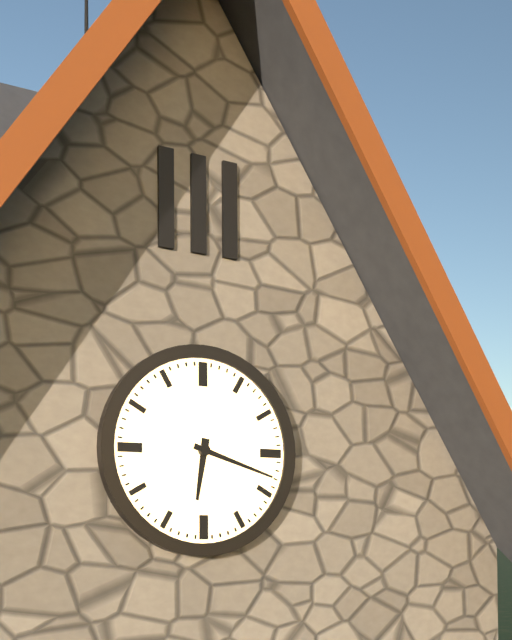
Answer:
6h18
